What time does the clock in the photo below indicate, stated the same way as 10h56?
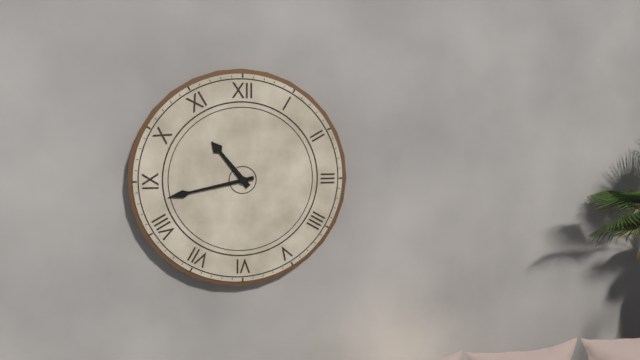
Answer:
10h43
